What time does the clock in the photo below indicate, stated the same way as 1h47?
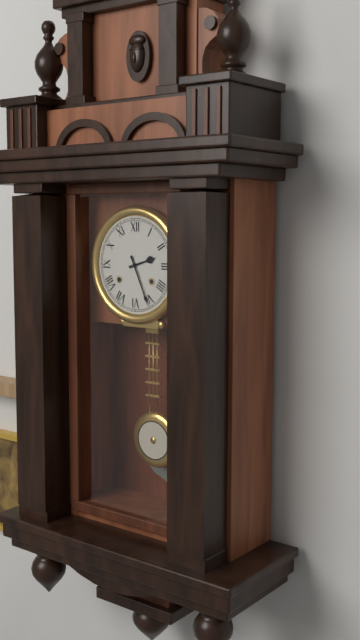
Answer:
2h26
